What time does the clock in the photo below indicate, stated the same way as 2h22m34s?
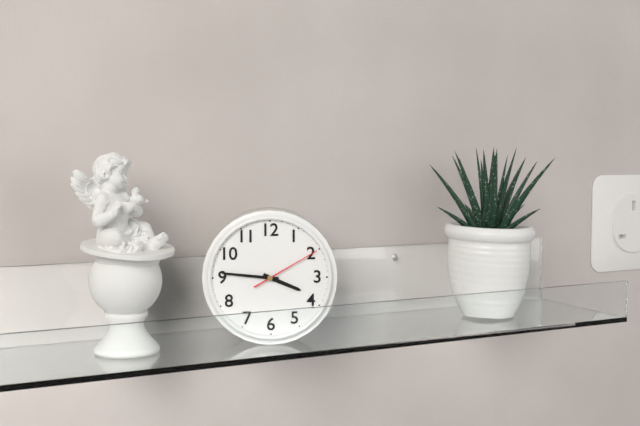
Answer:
3h46m10s
